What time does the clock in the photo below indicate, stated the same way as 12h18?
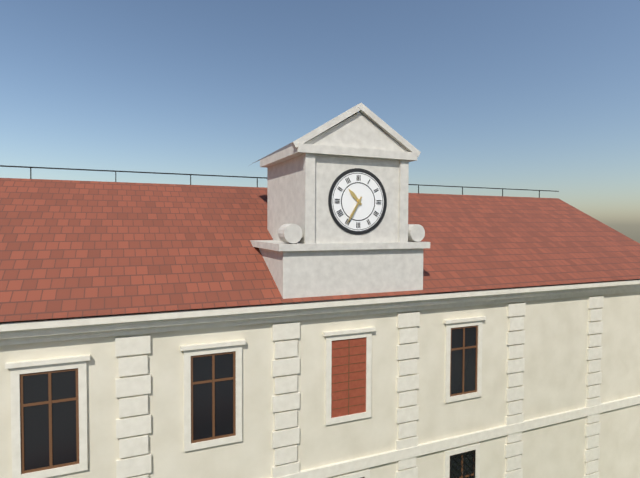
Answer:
10h35
